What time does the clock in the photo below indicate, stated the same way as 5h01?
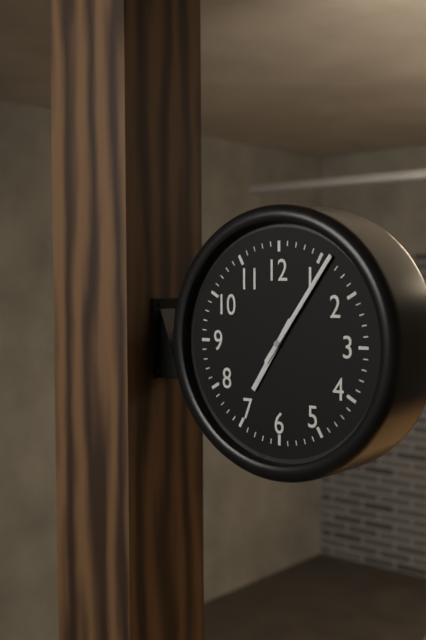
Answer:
7h06
